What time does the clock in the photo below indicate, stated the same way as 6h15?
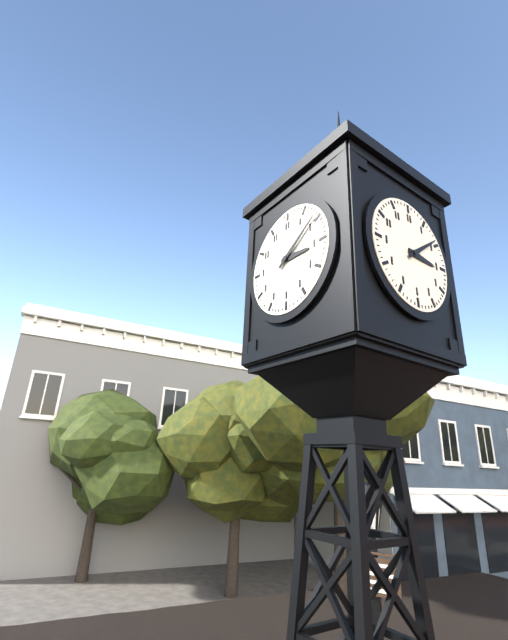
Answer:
3h09
